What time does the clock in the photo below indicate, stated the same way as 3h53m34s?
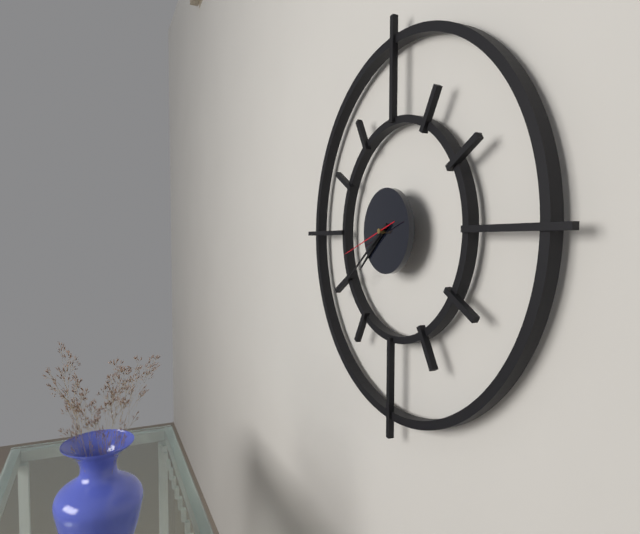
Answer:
7h39m42s
